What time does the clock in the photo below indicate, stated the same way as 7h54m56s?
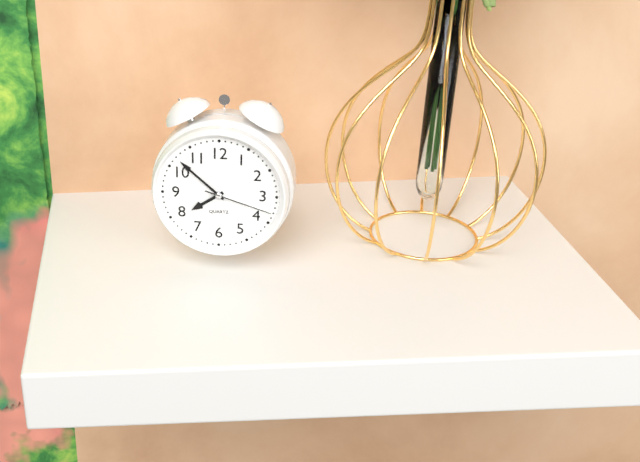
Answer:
7h52m18s
